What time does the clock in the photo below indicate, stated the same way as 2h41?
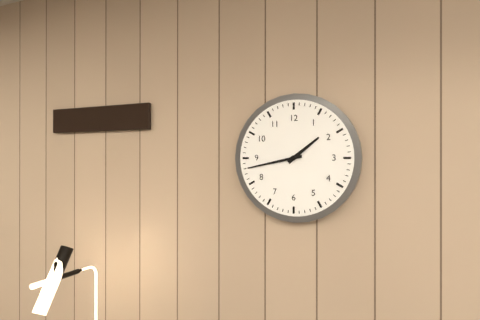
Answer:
1h43
